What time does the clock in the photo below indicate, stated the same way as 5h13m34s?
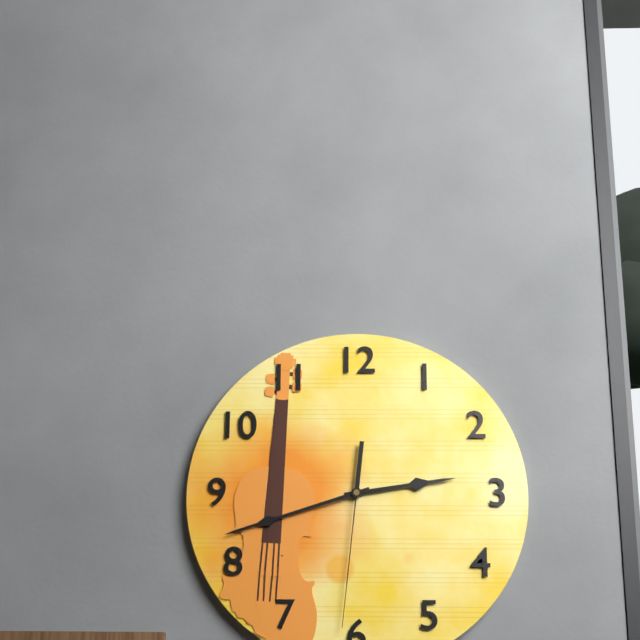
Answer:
2h42m31s
